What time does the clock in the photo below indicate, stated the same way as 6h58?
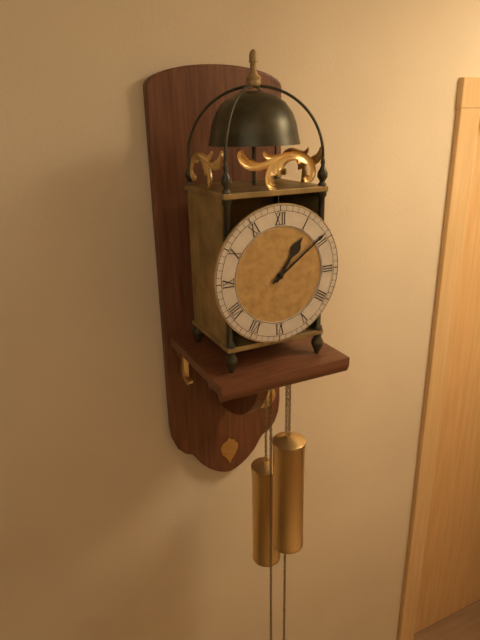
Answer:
1h09
